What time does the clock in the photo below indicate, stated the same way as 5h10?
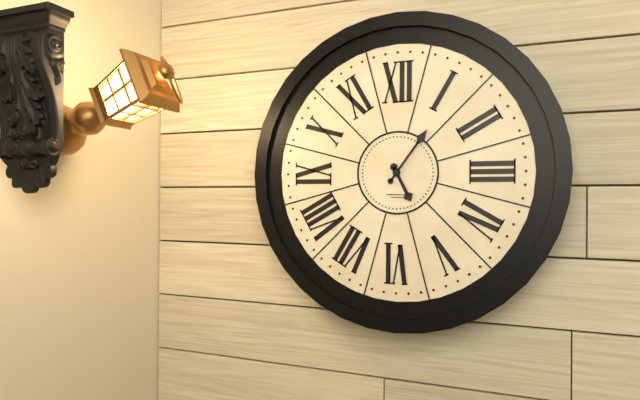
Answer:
5h06
